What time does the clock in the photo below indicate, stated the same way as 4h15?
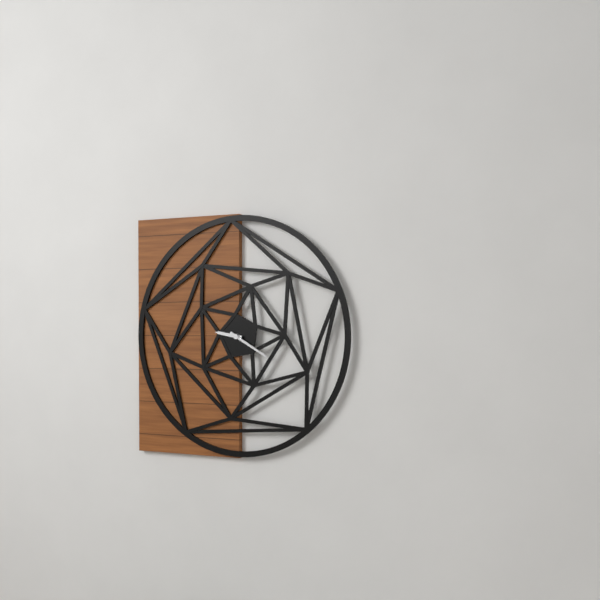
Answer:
9h20
